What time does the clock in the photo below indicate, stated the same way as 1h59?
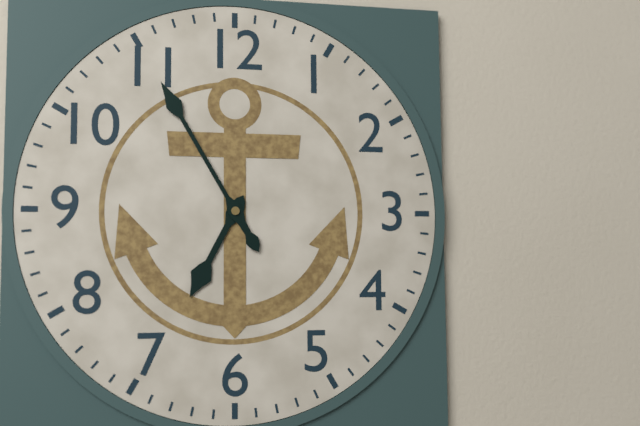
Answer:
6h55
